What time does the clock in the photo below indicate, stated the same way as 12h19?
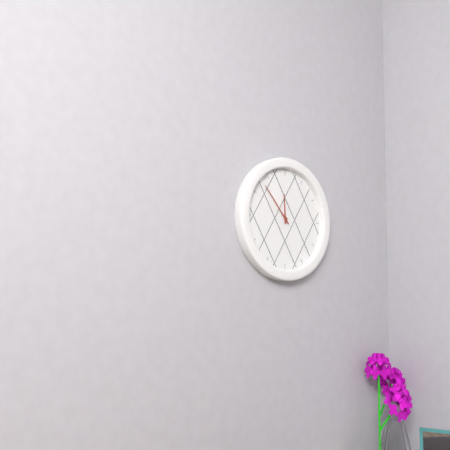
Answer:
11h53
